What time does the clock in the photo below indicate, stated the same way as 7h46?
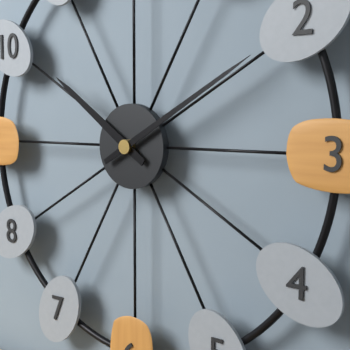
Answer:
10h10
